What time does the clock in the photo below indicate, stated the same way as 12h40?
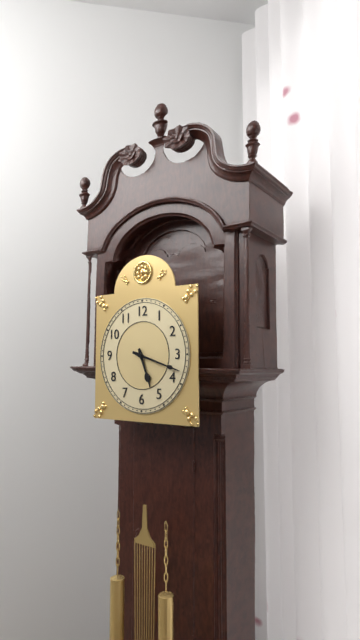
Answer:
5h18
